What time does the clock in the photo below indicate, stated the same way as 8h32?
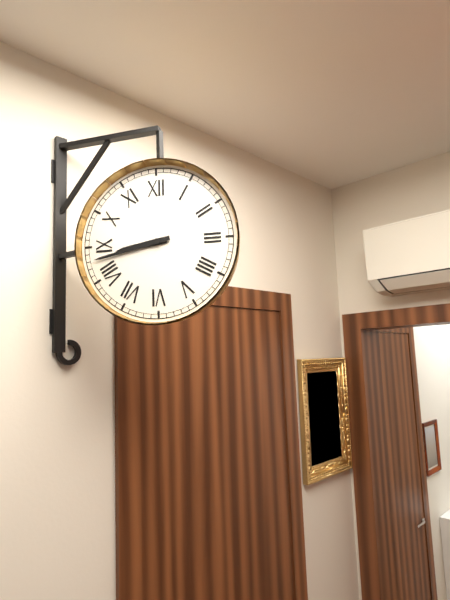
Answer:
8h43
